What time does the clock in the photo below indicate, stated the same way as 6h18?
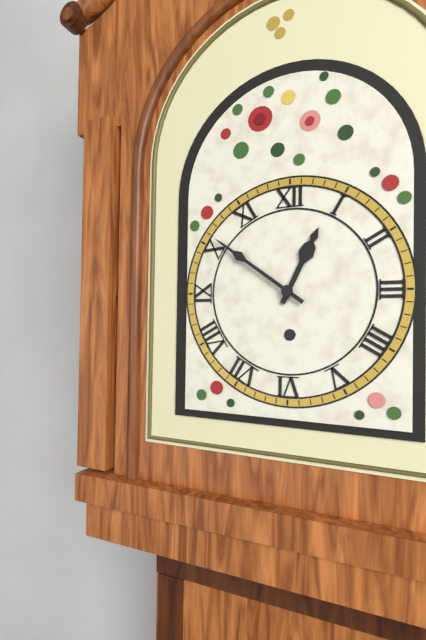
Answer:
12h51
